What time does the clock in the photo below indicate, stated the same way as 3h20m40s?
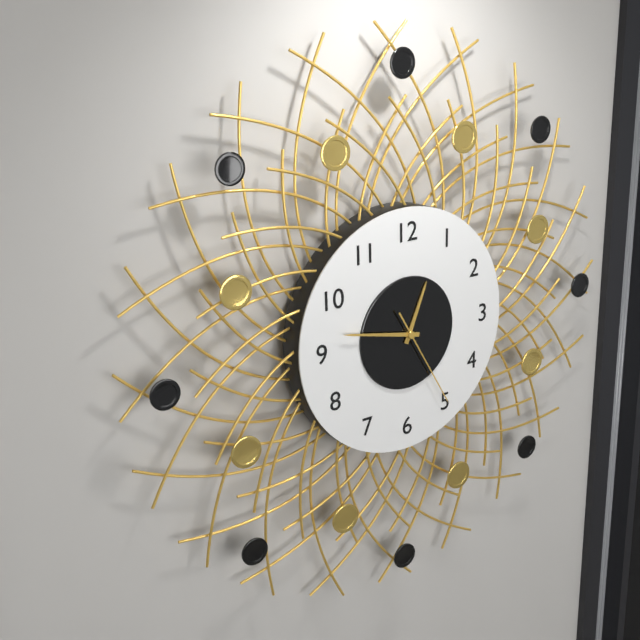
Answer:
12h47m25s
